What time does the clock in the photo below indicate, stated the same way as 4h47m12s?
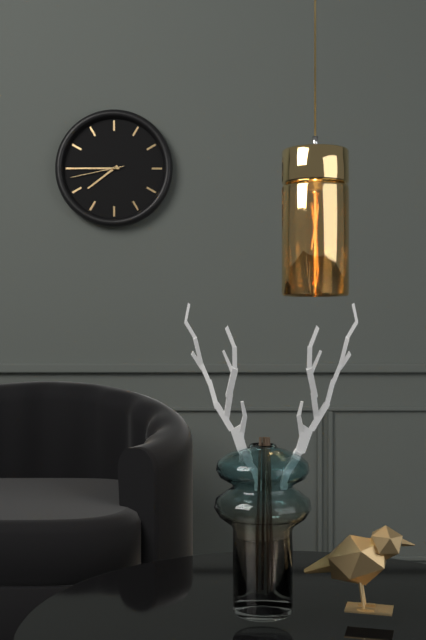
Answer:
7h45m43s
